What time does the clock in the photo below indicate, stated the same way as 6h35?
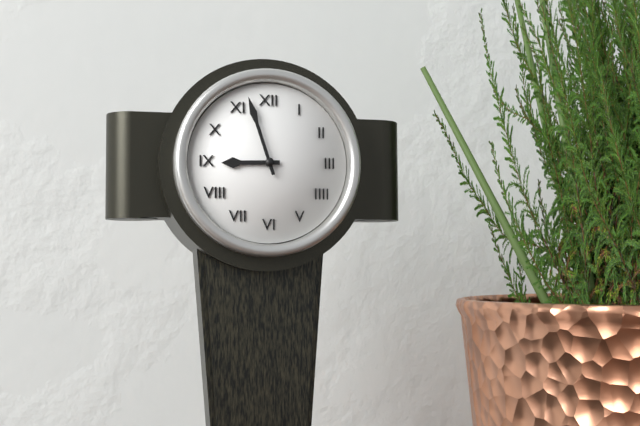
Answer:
8h57
